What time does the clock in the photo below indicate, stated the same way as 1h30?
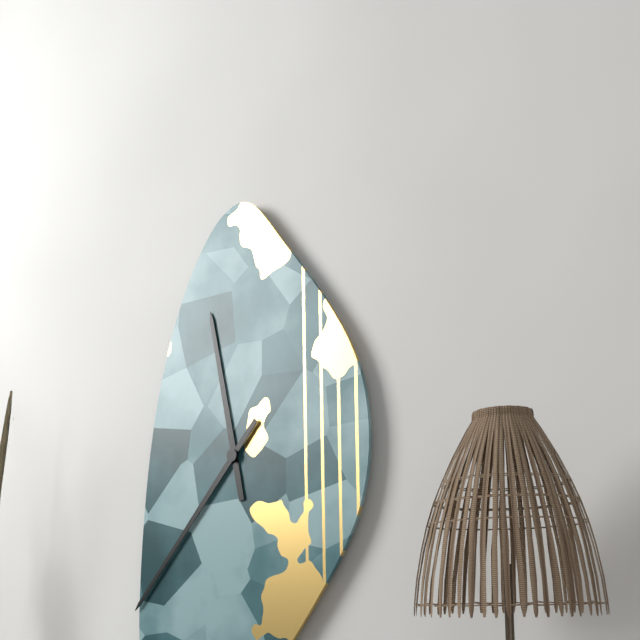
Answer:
11h37
